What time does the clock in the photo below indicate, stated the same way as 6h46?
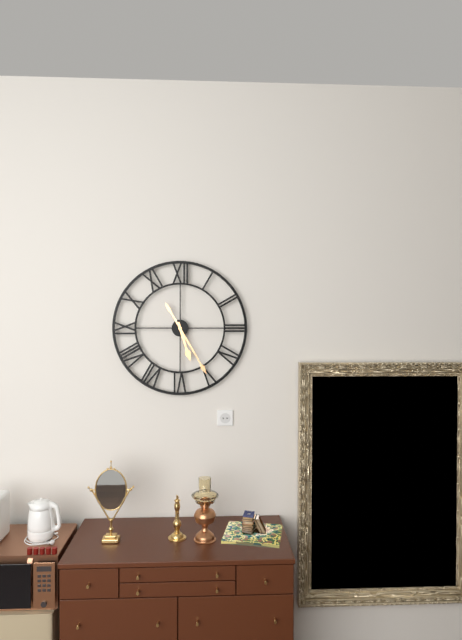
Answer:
5h25
